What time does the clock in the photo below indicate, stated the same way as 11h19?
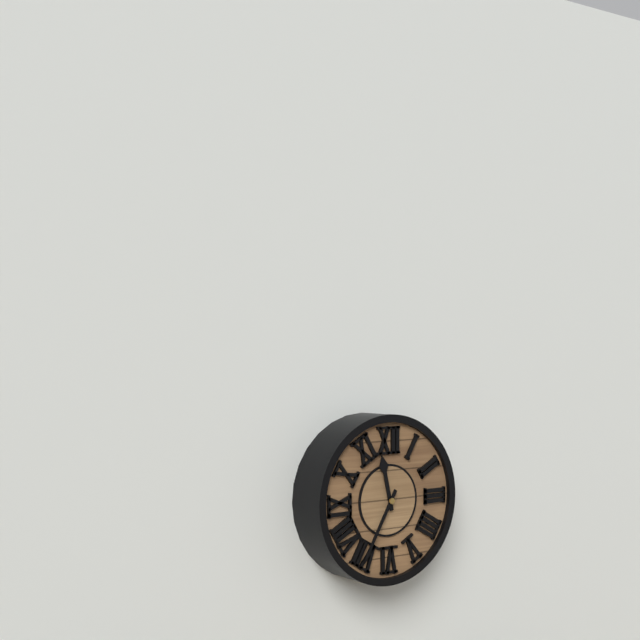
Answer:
11h35
